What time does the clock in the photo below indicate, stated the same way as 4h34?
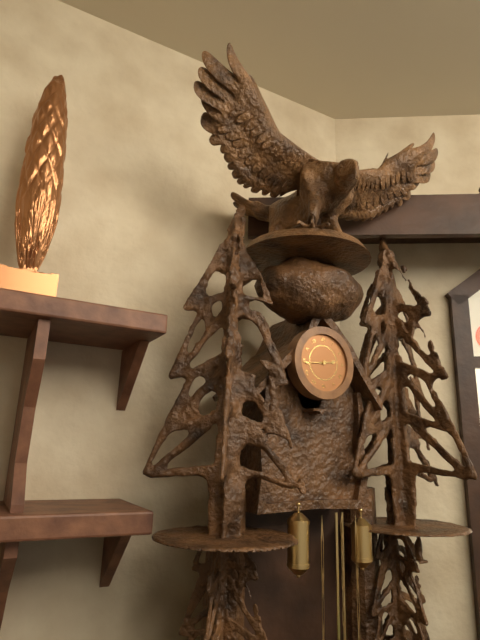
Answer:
2h44
